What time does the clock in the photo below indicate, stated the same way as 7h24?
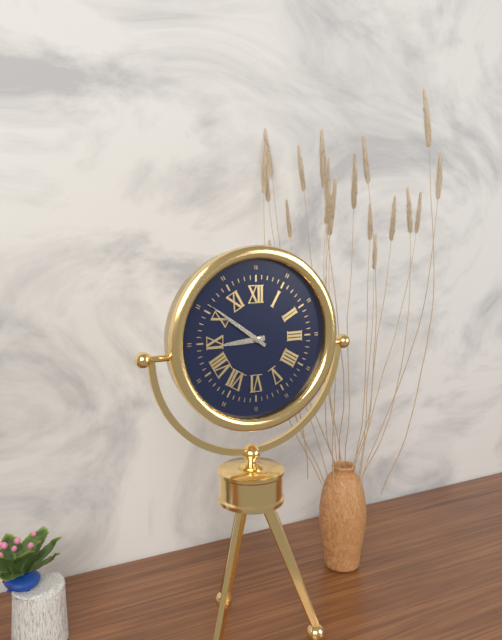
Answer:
8h51
